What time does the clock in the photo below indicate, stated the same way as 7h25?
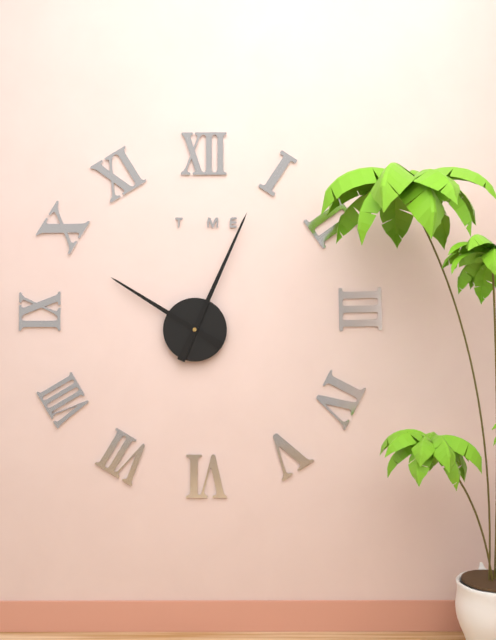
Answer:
10h04
